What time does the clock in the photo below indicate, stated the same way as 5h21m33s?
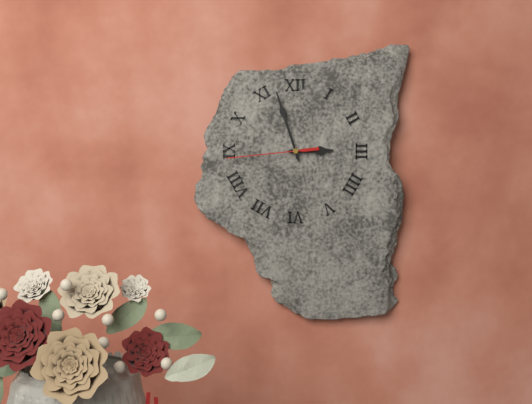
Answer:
2h57m44s
